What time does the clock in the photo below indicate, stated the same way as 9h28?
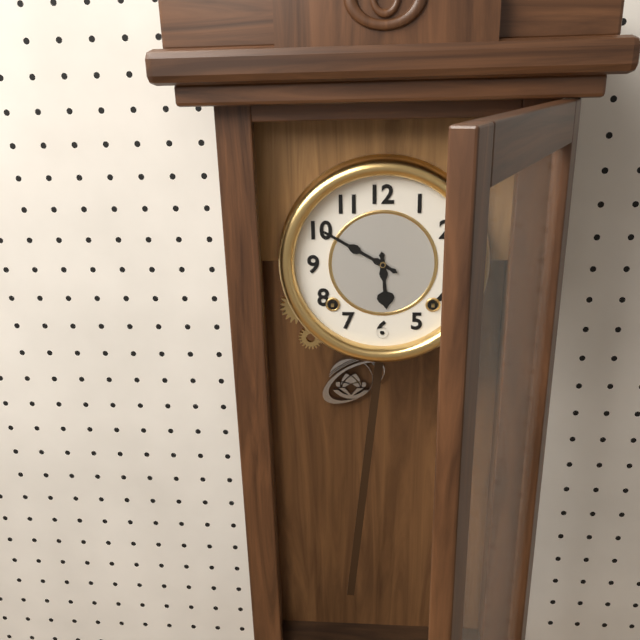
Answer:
5h50
